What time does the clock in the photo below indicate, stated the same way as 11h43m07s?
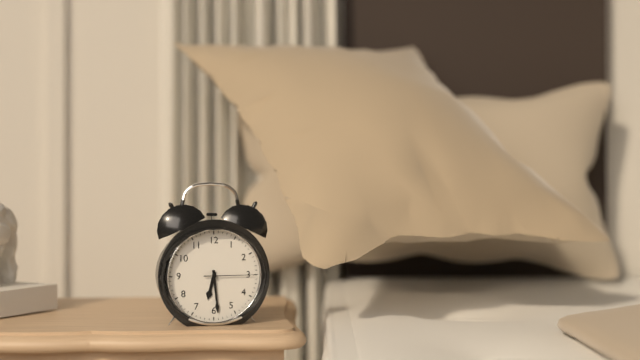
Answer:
6h29m15s
